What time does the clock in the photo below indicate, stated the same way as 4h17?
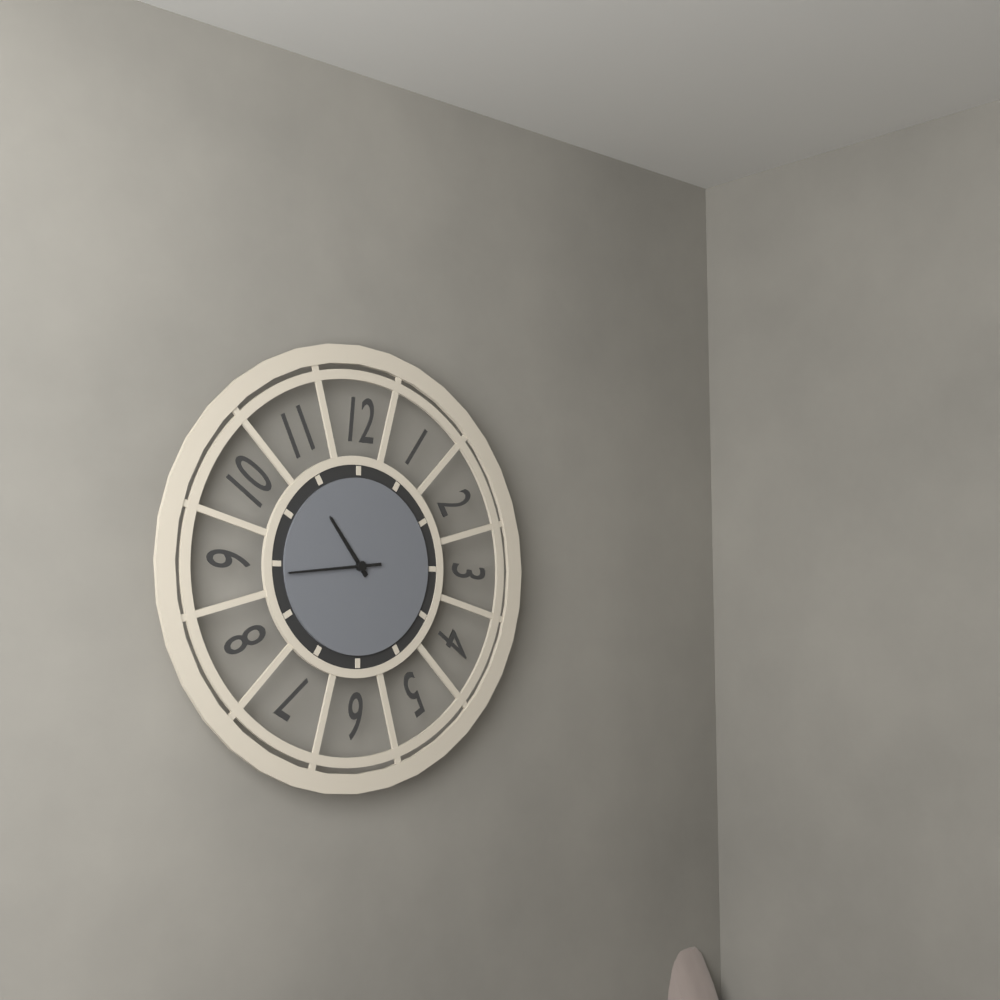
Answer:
10h44
